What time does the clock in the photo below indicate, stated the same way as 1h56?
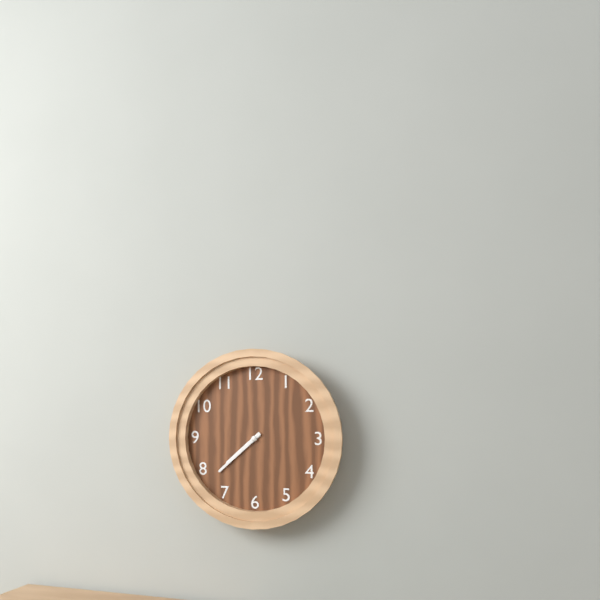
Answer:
7h38
